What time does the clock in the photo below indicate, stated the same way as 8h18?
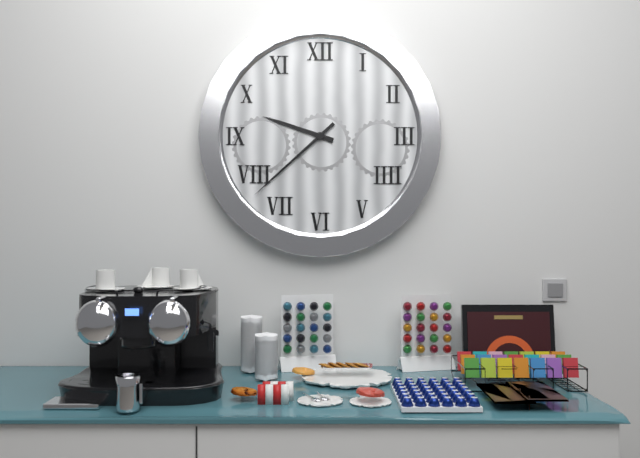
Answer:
9h38
